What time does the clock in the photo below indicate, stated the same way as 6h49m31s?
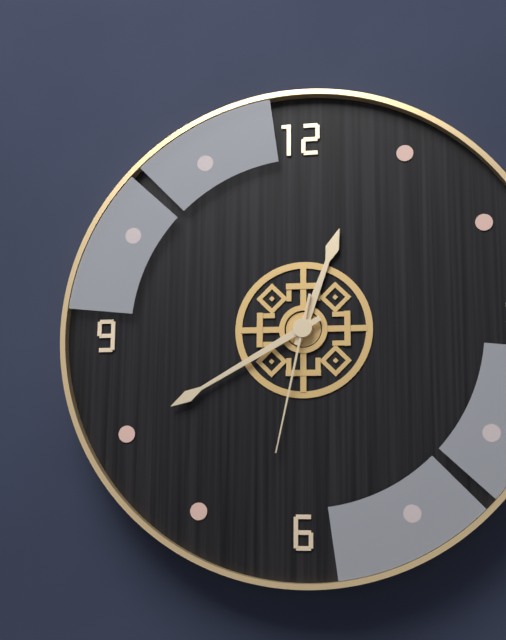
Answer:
12h40m32s
